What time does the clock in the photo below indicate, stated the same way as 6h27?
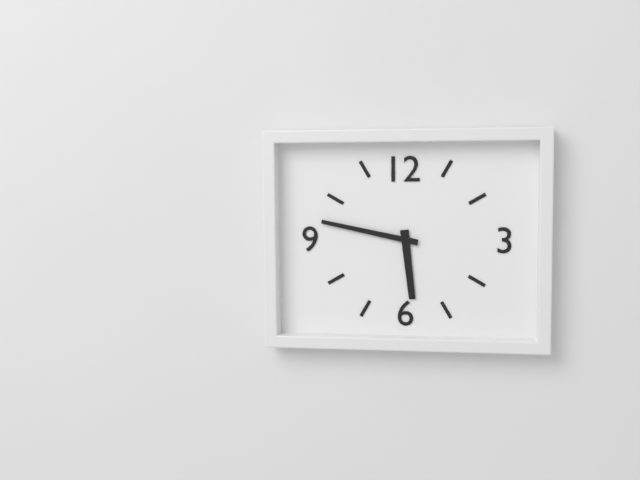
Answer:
5h47
